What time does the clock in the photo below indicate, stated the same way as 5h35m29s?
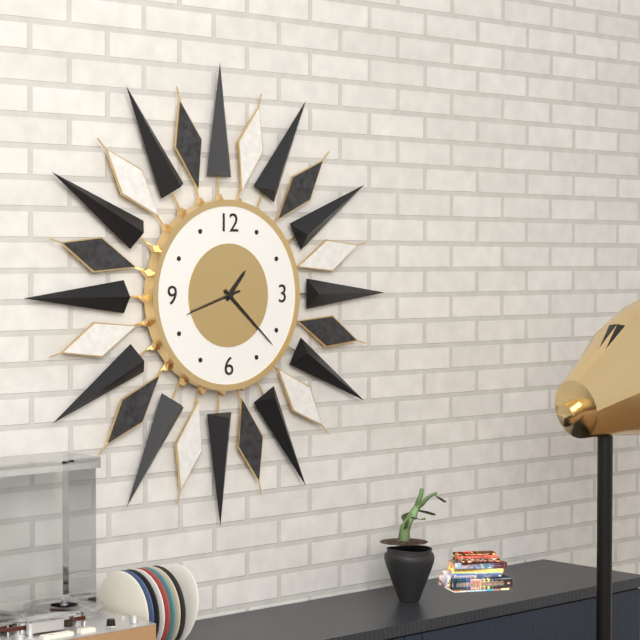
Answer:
1h22m42s
